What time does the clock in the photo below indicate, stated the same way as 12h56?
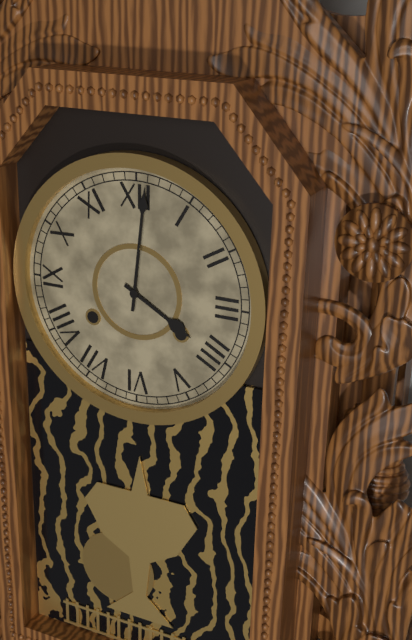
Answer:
4h01
